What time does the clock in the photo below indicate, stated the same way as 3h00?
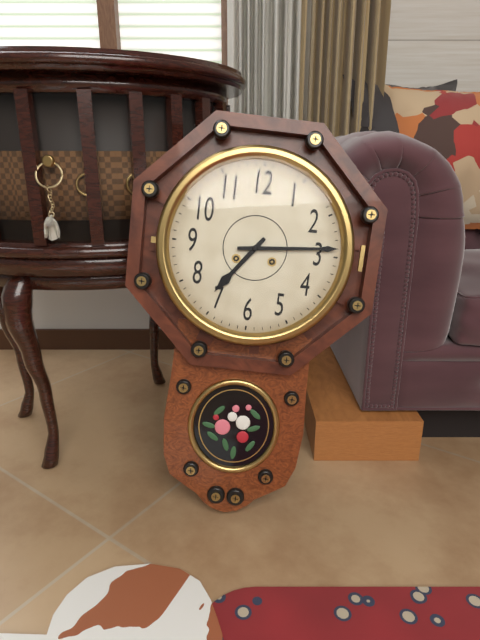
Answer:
7h14
